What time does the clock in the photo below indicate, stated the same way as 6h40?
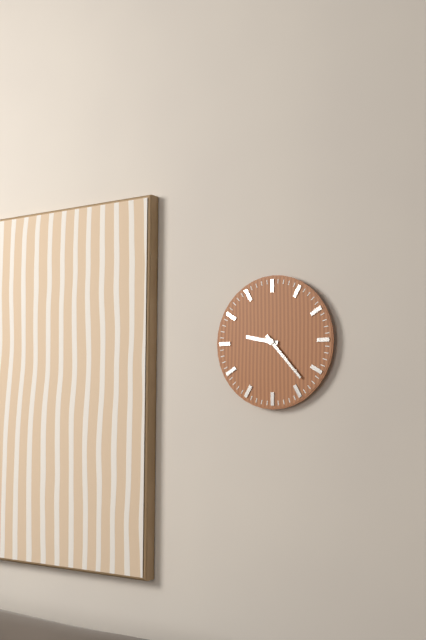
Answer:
9h23
